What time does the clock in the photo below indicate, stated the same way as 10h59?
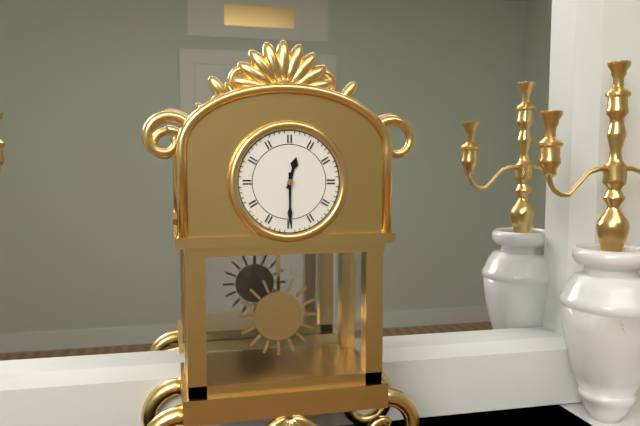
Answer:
12h30
